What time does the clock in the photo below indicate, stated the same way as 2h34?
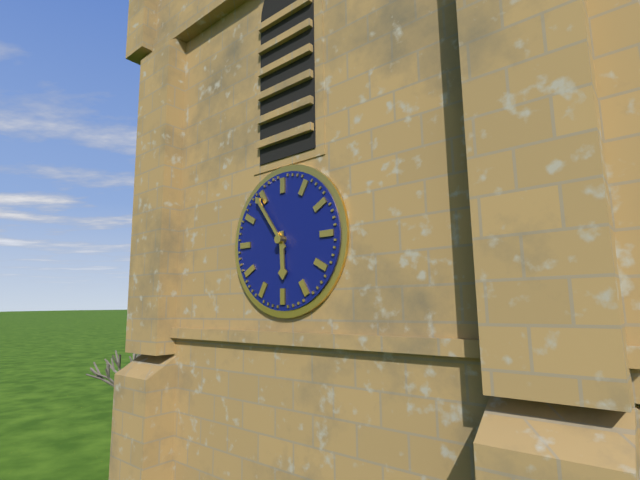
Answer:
5h54
